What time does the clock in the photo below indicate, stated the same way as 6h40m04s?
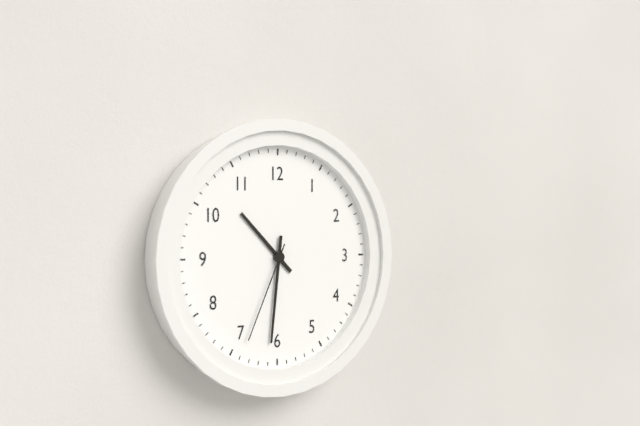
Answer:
10h31m34s
